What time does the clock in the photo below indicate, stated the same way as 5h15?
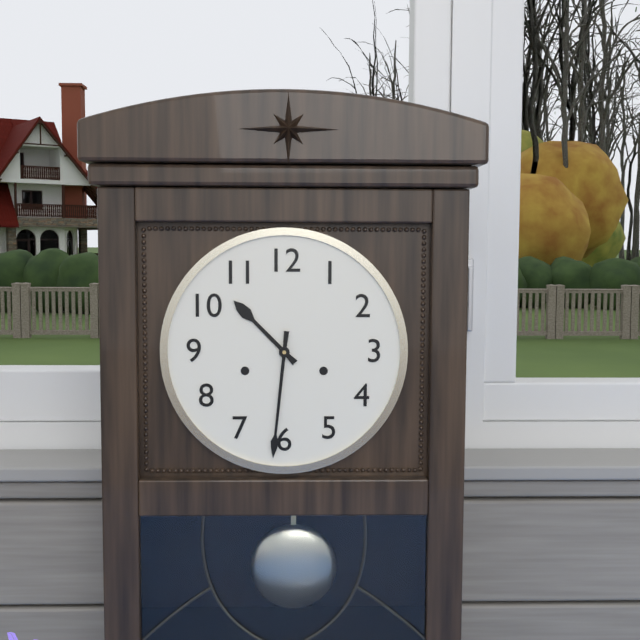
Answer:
10h31
